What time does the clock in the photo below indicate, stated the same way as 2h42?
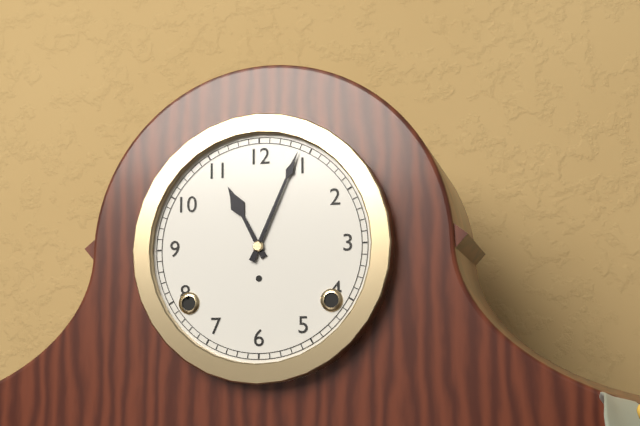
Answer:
11h04
